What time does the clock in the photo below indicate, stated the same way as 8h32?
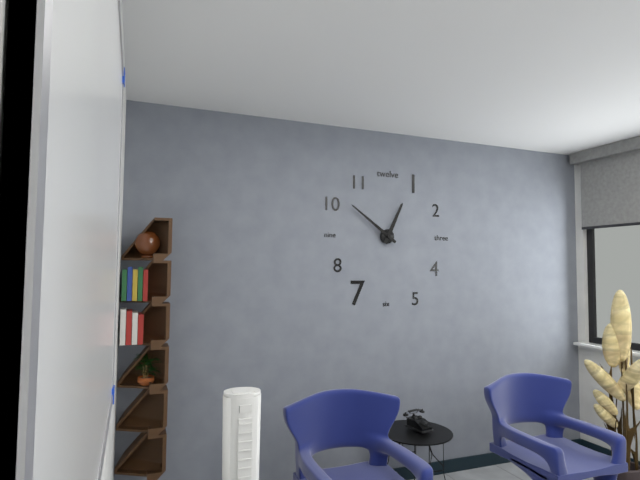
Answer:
12h51
